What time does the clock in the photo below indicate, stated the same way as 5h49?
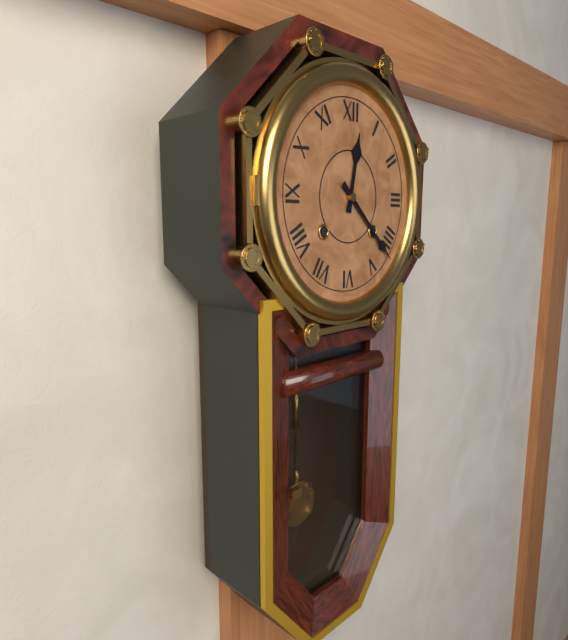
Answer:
12h22
